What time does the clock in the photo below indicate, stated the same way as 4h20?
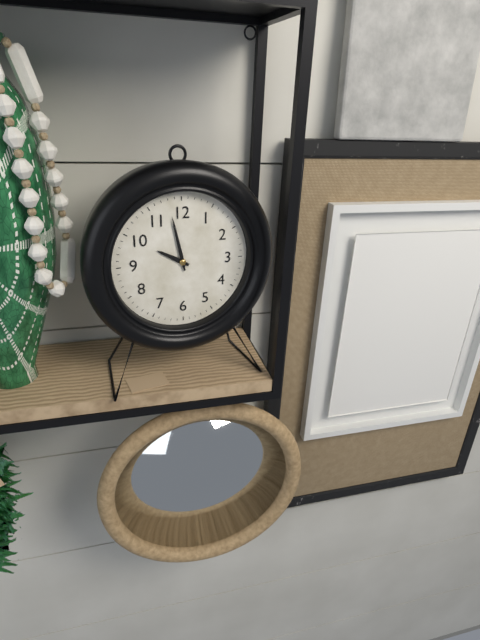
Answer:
9h58
